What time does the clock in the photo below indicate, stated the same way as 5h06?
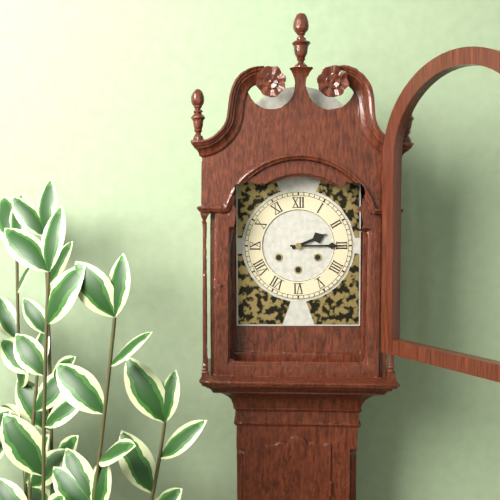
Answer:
2h15
